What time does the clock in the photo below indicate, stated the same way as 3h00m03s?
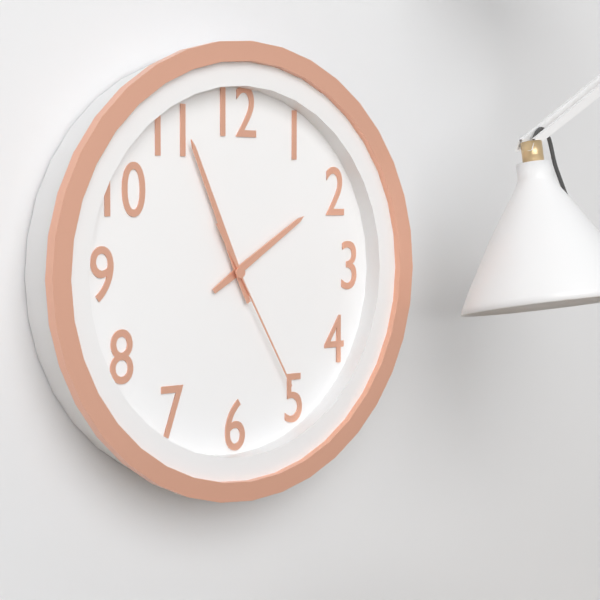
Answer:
1h56m25s
